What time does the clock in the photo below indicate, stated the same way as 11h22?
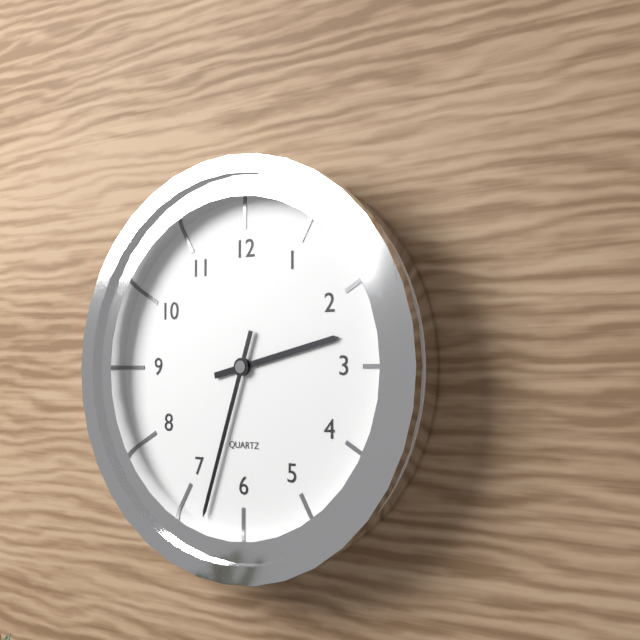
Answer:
2h33
